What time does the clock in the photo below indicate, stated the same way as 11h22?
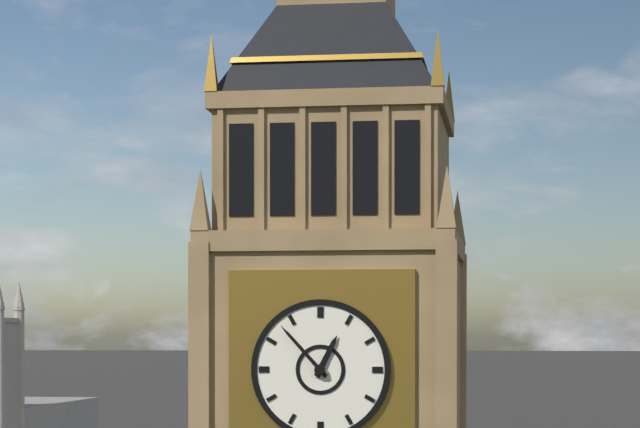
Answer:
12h53
